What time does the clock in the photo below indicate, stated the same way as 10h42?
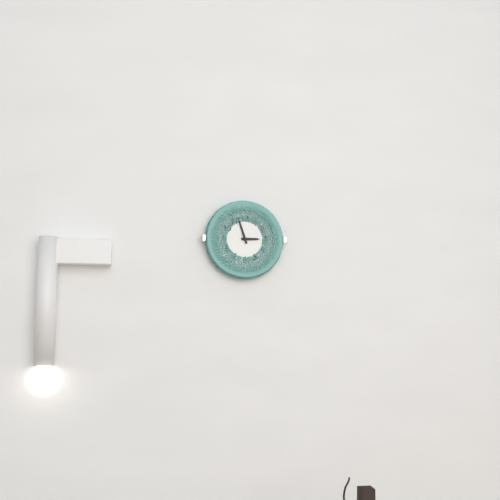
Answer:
2h57
